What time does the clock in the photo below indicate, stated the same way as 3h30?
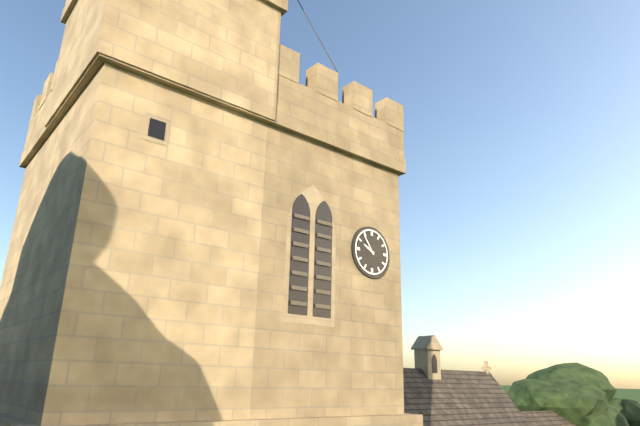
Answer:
9h54
